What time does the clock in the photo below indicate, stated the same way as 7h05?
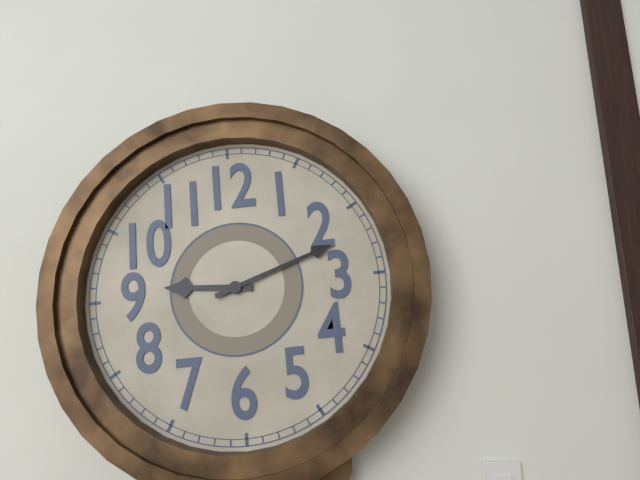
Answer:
9h12
